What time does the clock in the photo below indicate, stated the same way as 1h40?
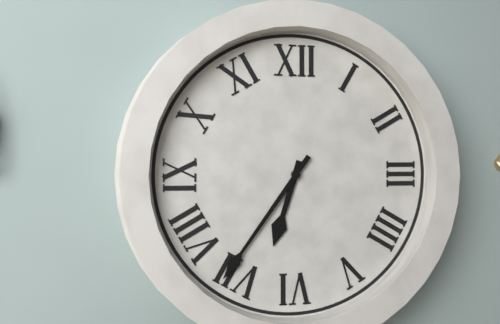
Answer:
6h36
